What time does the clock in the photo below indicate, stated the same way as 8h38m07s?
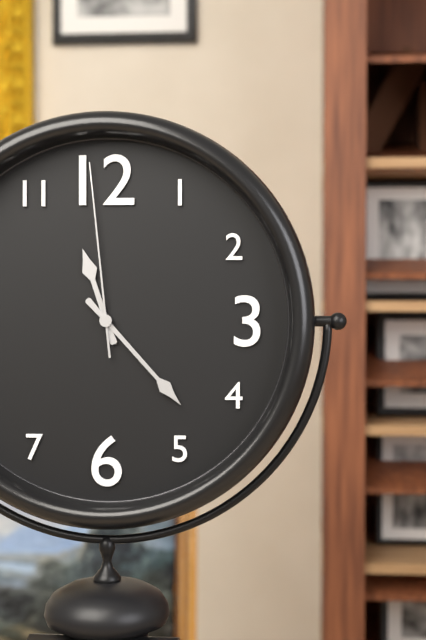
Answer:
11h23m59s
